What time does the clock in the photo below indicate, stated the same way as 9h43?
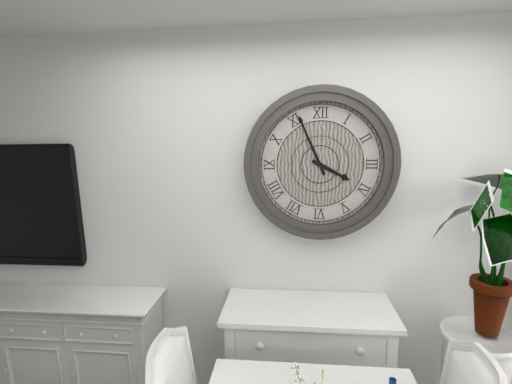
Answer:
3h56
